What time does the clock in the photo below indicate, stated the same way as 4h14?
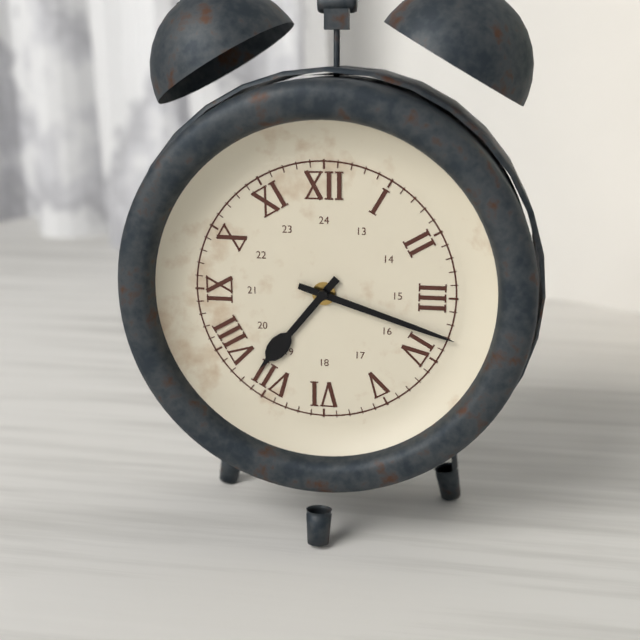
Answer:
7h18
